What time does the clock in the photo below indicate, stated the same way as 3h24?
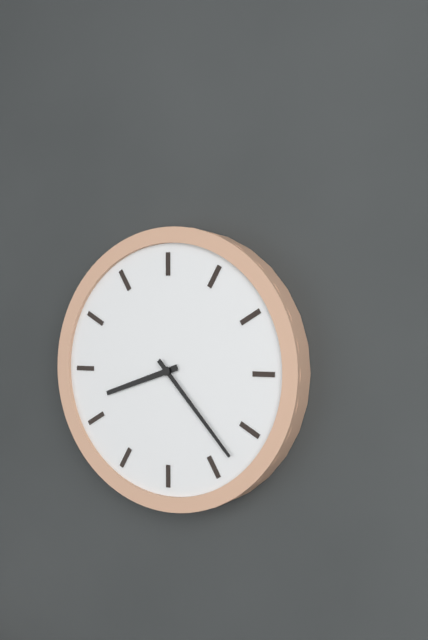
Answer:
8h23
